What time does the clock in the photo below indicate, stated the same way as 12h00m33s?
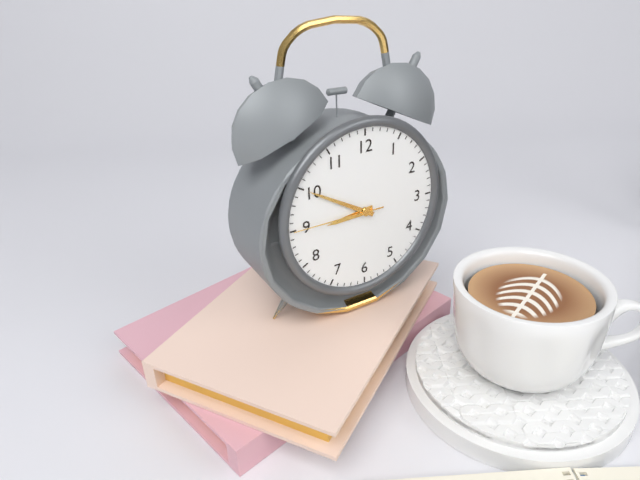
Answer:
8h50m45s
